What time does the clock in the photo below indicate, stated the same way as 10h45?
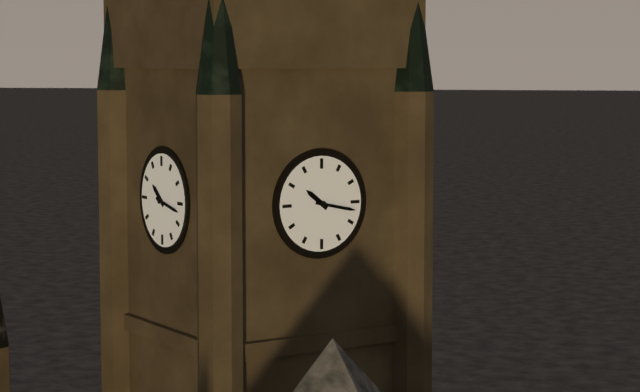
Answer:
10h17
